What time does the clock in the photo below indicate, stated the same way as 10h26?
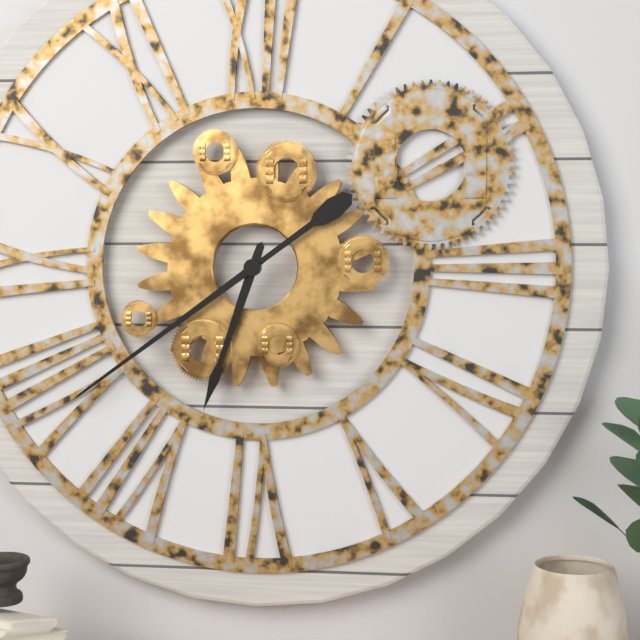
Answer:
6h39
